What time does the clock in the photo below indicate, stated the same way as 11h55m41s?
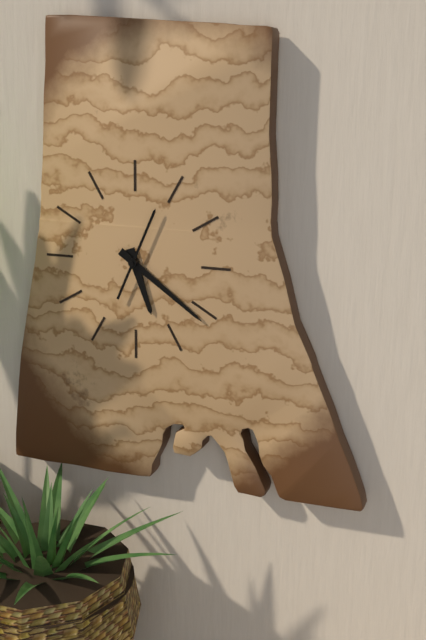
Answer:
5h21m04s
